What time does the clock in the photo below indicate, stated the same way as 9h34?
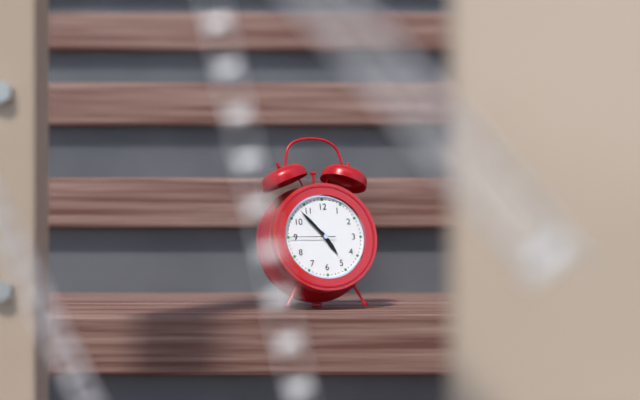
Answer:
4h53
